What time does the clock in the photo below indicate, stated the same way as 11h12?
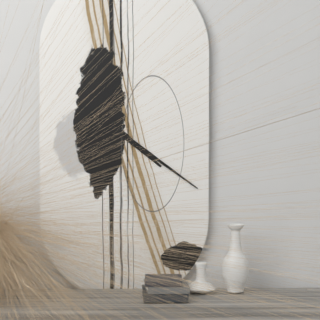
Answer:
4h21
